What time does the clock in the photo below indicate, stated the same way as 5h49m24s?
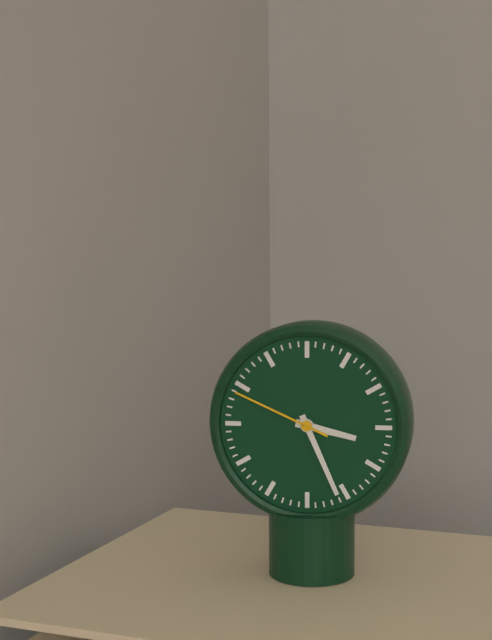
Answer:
3h26m49s
